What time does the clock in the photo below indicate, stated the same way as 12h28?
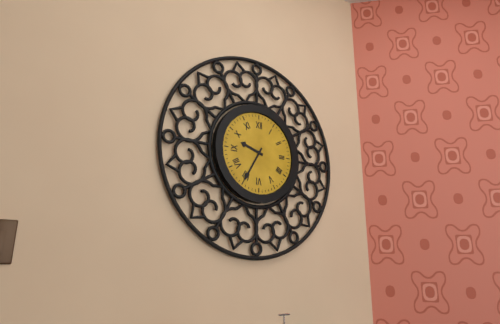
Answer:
9h35
